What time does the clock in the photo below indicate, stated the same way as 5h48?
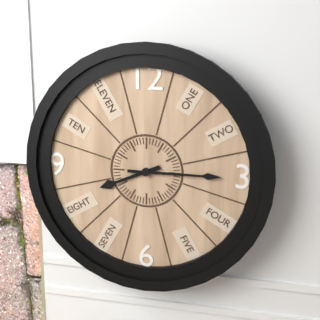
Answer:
8h15
